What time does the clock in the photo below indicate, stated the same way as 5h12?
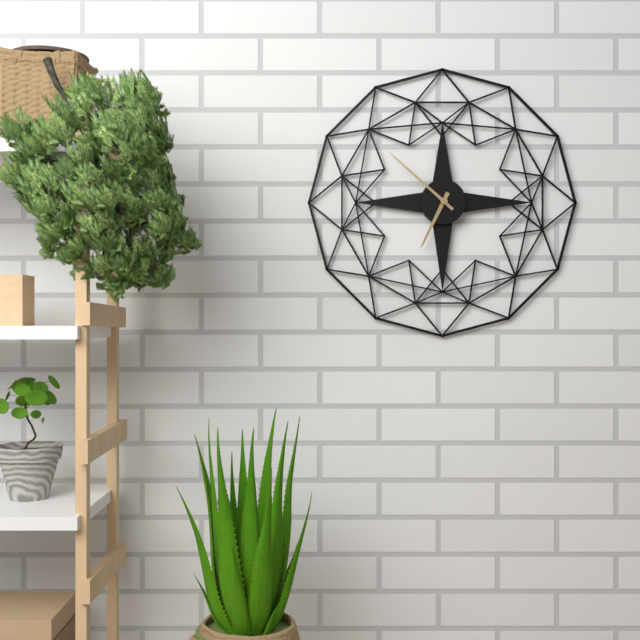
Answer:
6h52
